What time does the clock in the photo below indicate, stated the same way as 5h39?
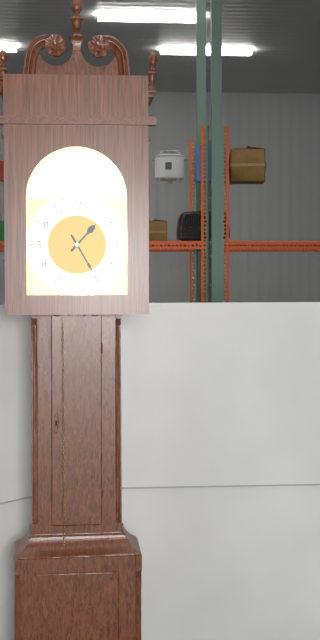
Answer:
1h25
